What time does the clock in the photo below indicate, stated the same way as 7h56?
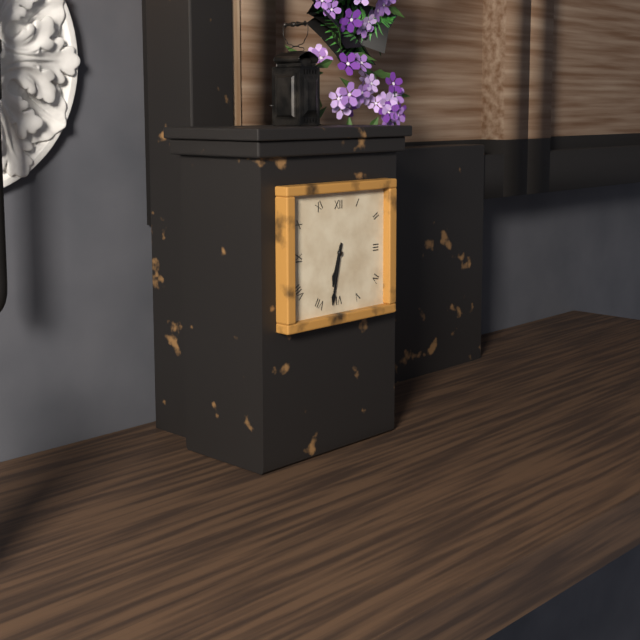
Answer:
6h32
